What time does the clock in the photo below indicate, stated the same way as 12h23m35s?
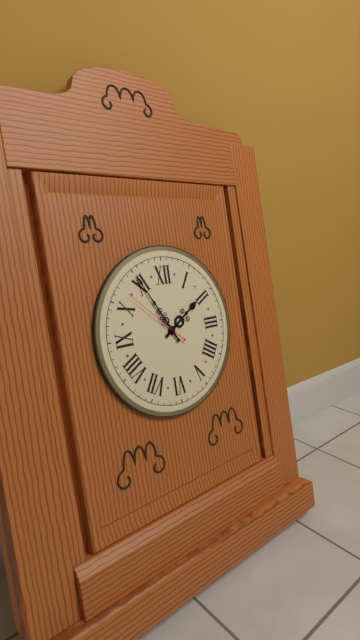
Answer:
1h55m52s
